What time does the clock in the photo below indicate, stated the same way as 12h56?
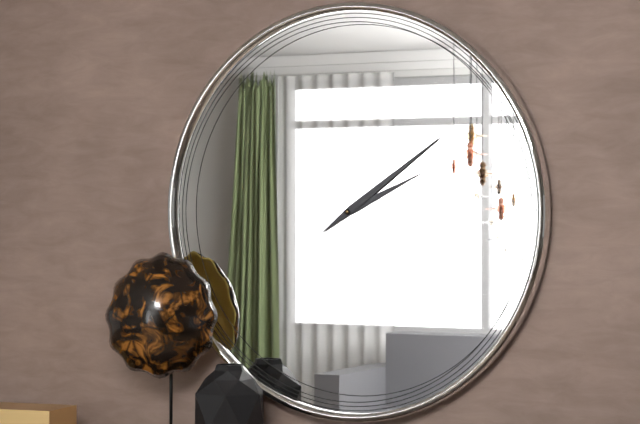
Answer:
2h09
